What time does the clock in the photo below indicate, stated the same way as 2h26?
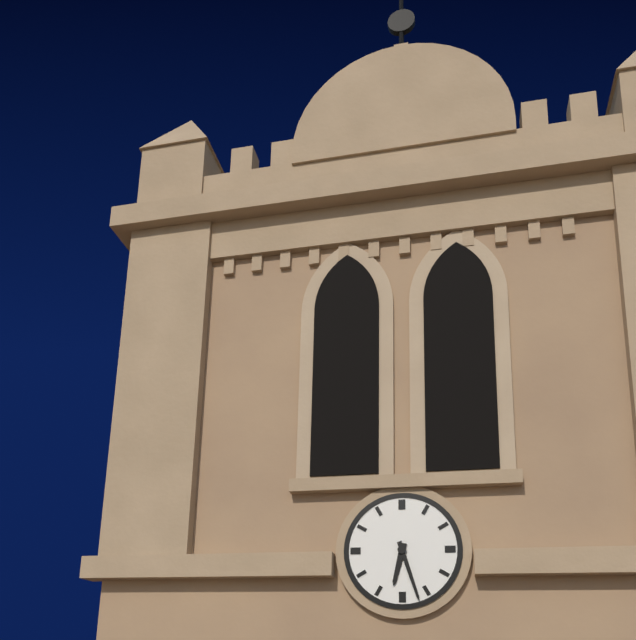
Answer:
6h27
